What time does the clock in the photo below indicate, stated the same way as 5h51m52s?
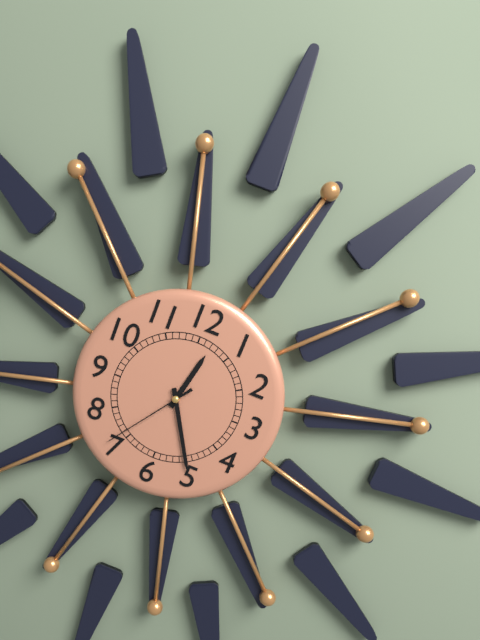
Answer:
12h25m36s
